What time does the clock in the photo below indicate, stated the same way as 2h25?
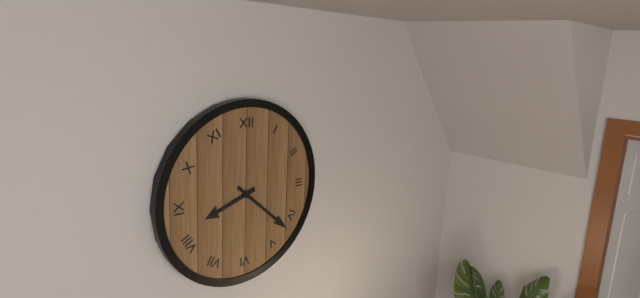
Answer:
8h22
